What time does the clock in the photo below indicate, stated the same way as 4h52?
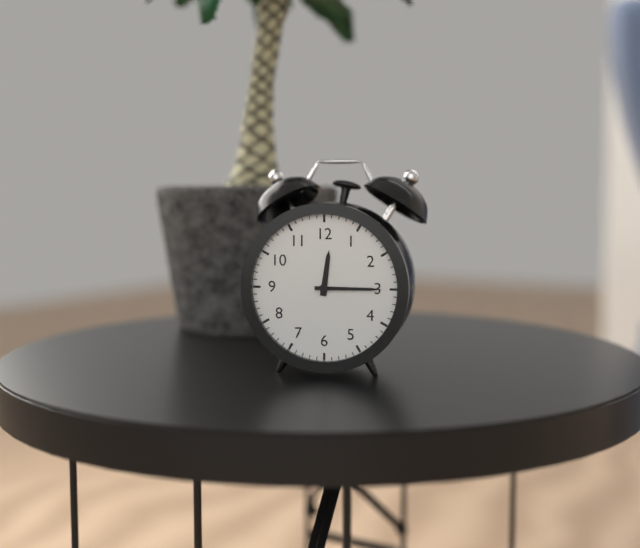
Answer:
12h15
